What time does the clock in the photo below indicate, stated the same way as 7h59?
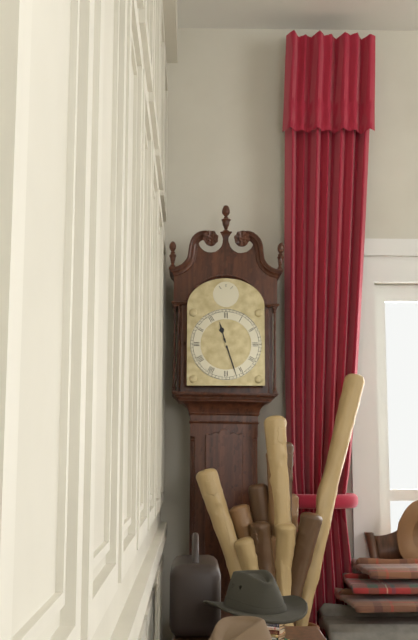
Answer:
11h27
